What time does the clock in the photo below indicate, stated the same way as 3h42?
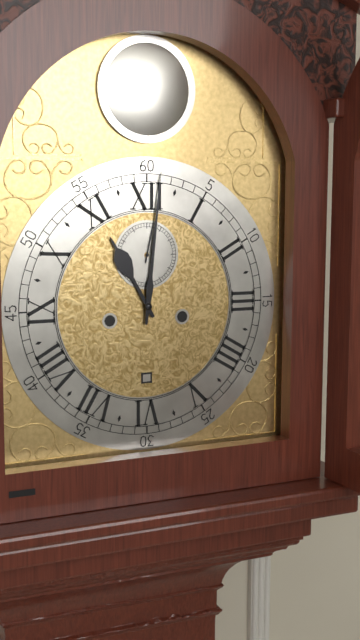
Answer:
11h01
